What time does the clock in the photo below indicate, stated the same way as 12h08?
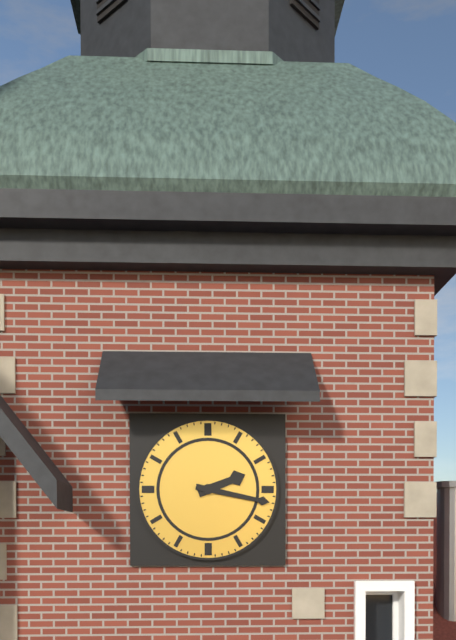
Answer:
2h17
